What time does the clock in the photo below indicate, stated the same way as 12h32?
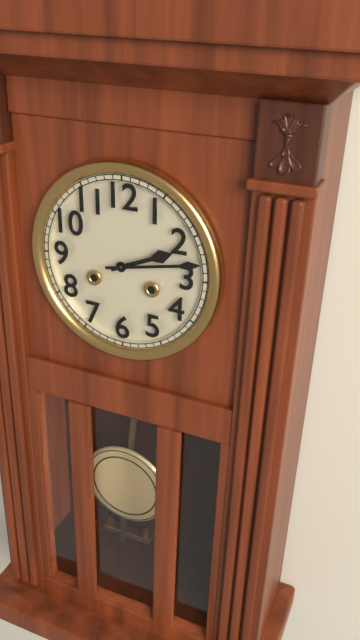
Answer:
2h13
